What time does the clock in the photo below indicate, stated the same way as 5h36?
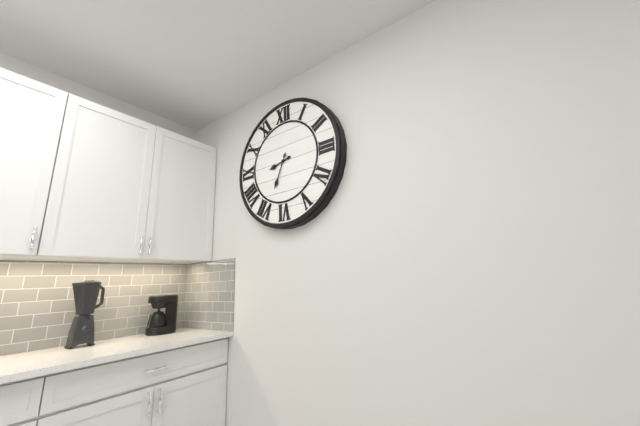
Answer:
8h34
